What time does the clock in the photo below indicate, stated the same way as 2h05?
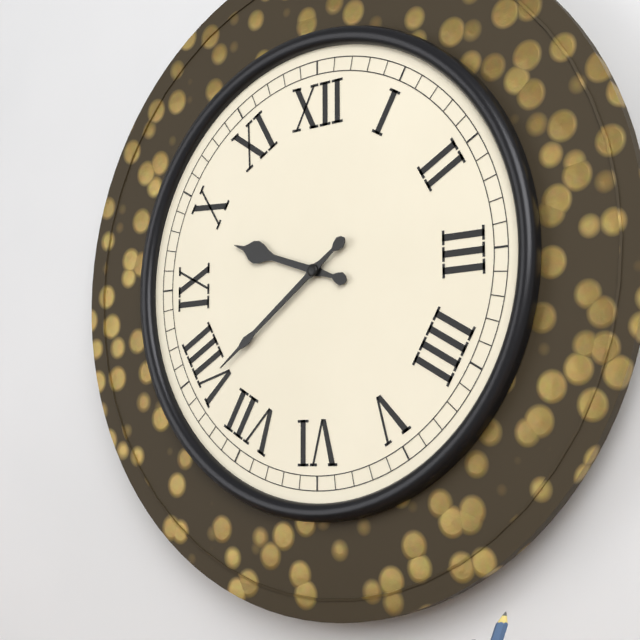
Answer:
9h39
